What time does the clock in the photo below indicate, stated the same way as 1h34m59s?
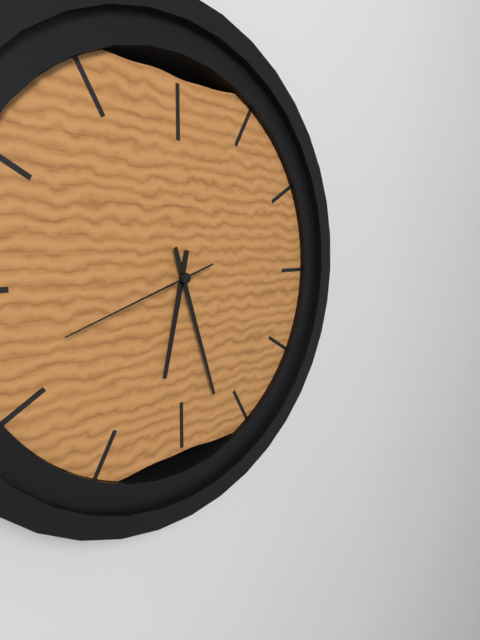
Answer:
6h27m42s
